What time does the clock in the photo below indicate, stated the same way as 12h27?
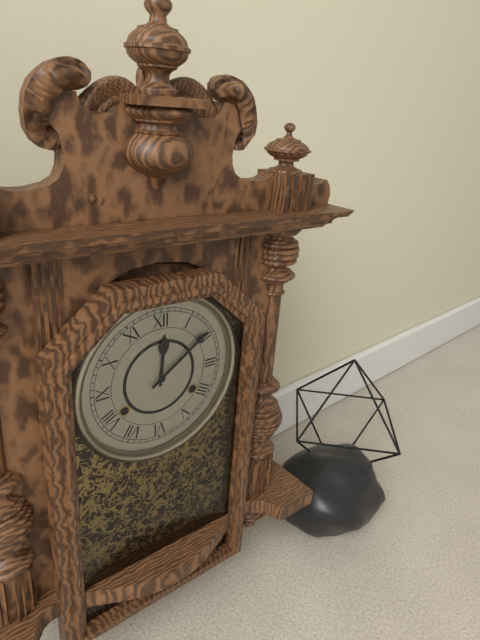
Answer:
12h09
